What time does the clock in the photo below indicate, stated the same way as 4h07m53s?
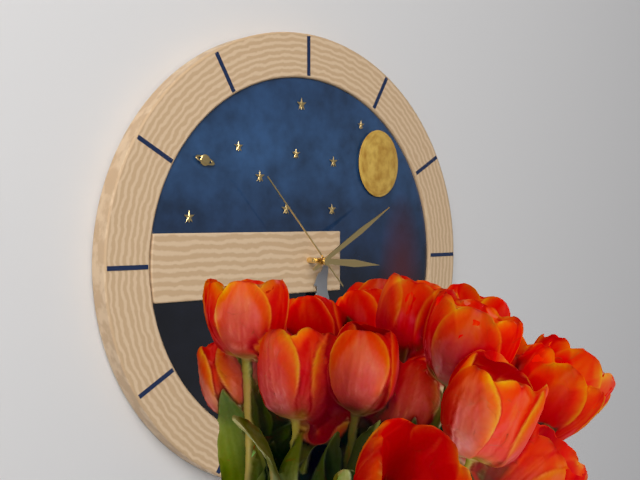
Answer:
3h10m53s
